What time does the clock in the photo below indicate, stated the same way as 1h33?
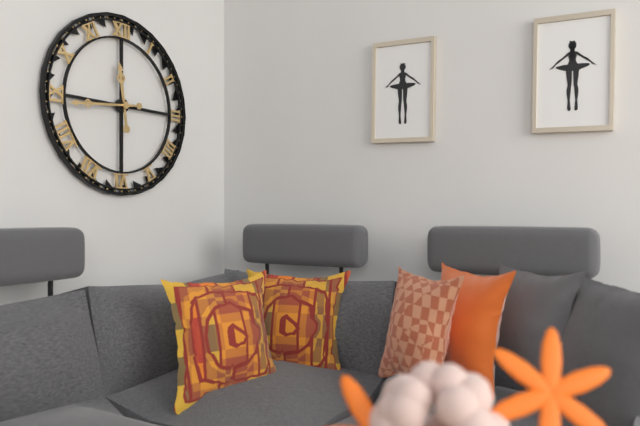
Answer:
11h44
